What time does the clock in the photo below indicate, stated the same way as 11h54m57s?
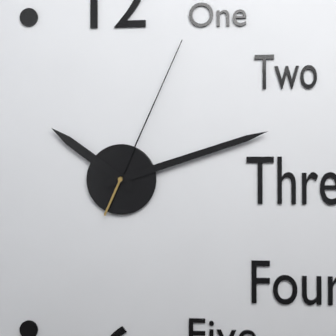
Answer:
10h12m04s
